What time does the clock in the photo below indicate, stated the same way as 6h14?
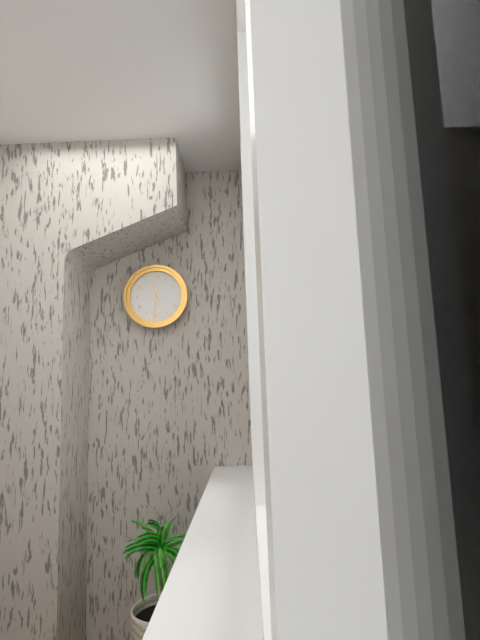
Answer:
11h31
